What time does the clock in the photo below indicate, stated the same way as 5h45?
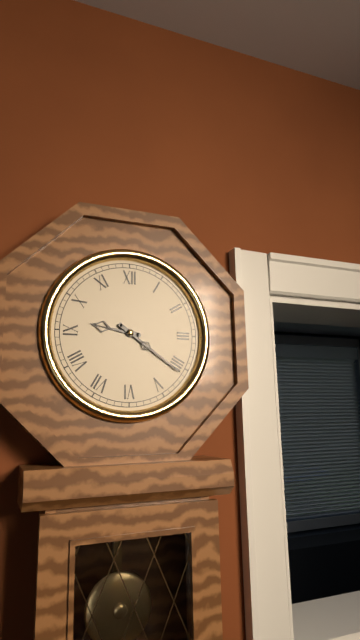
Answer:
9h21
